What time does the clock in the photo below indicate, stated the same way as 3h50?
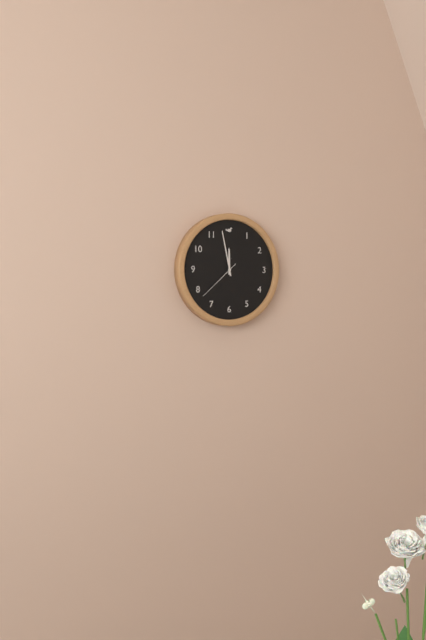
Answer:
11h58
